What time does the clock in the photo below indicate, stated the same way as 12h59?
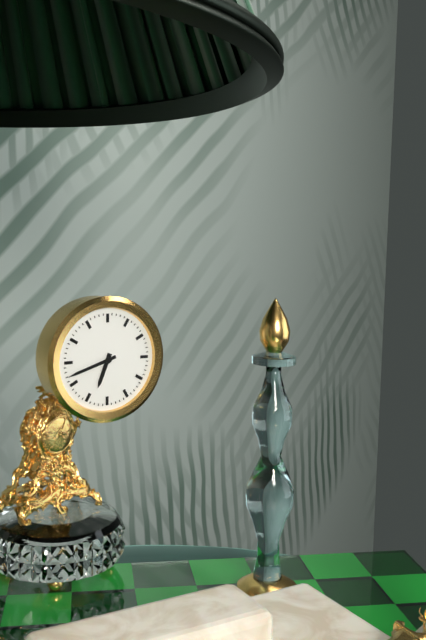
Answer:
6h42
